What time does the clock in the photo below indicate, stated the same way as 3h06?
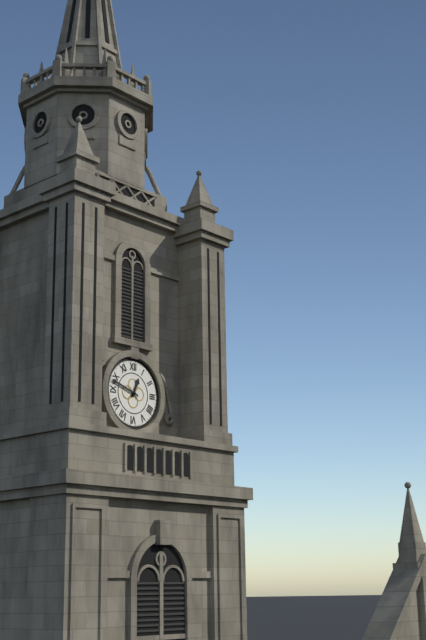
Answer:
12h48
